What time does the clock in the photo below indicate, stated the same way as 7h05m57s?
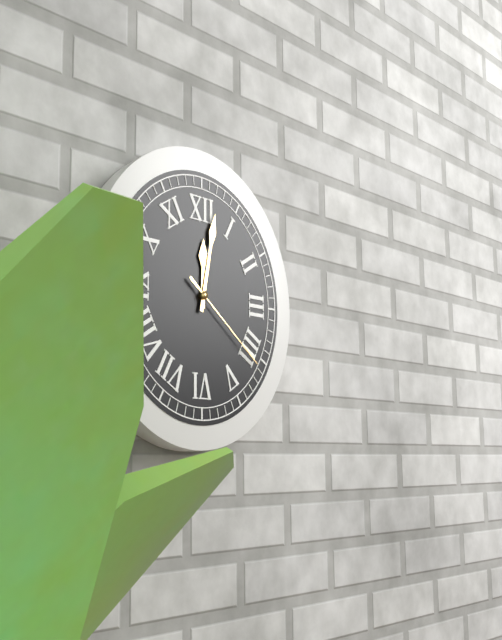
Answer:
12h02m21s
